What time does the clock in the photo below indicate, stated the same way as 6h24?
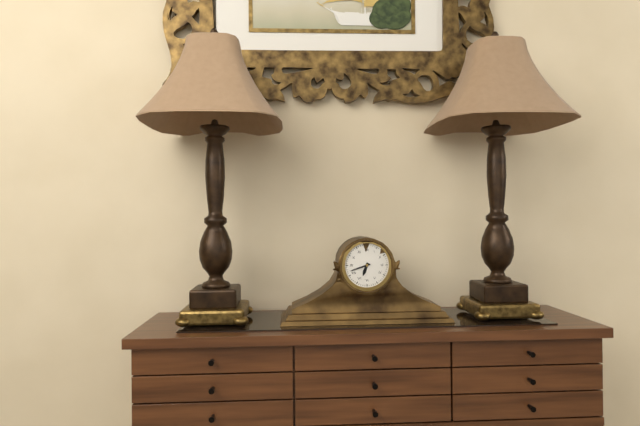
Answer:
6h42
